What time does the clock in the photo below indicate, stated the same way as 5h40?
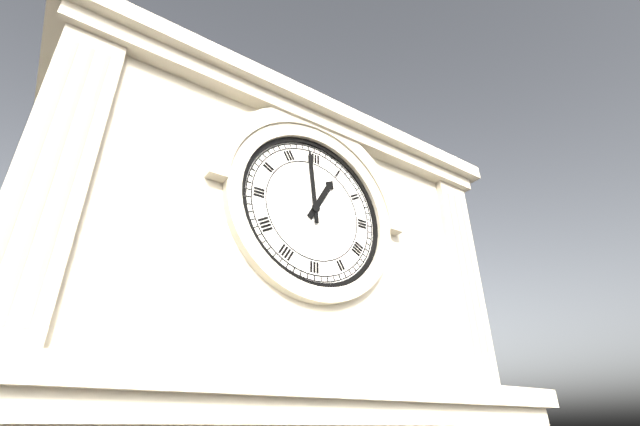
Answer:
12h59
